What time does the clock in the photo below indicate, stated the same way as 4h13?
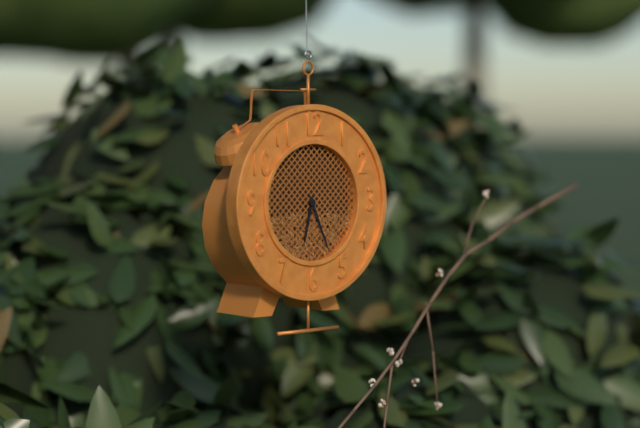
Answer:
6h26
